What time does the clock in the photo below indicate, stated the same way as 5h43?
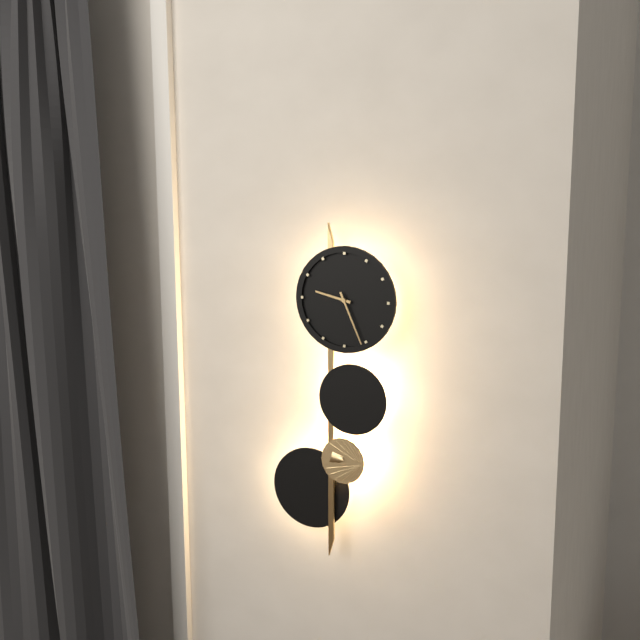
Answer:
9h26
